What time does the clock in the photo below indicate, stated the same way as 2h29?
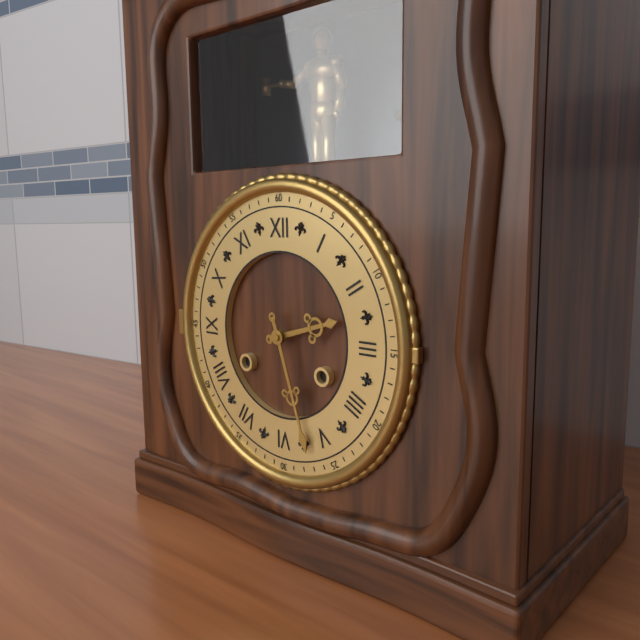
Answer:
2h27
